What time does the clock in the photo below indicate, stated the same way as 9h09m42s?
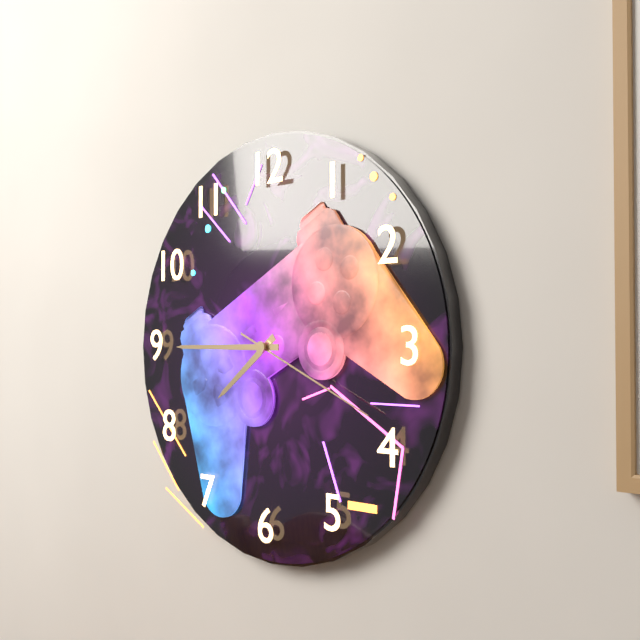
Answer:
7h45m19s
